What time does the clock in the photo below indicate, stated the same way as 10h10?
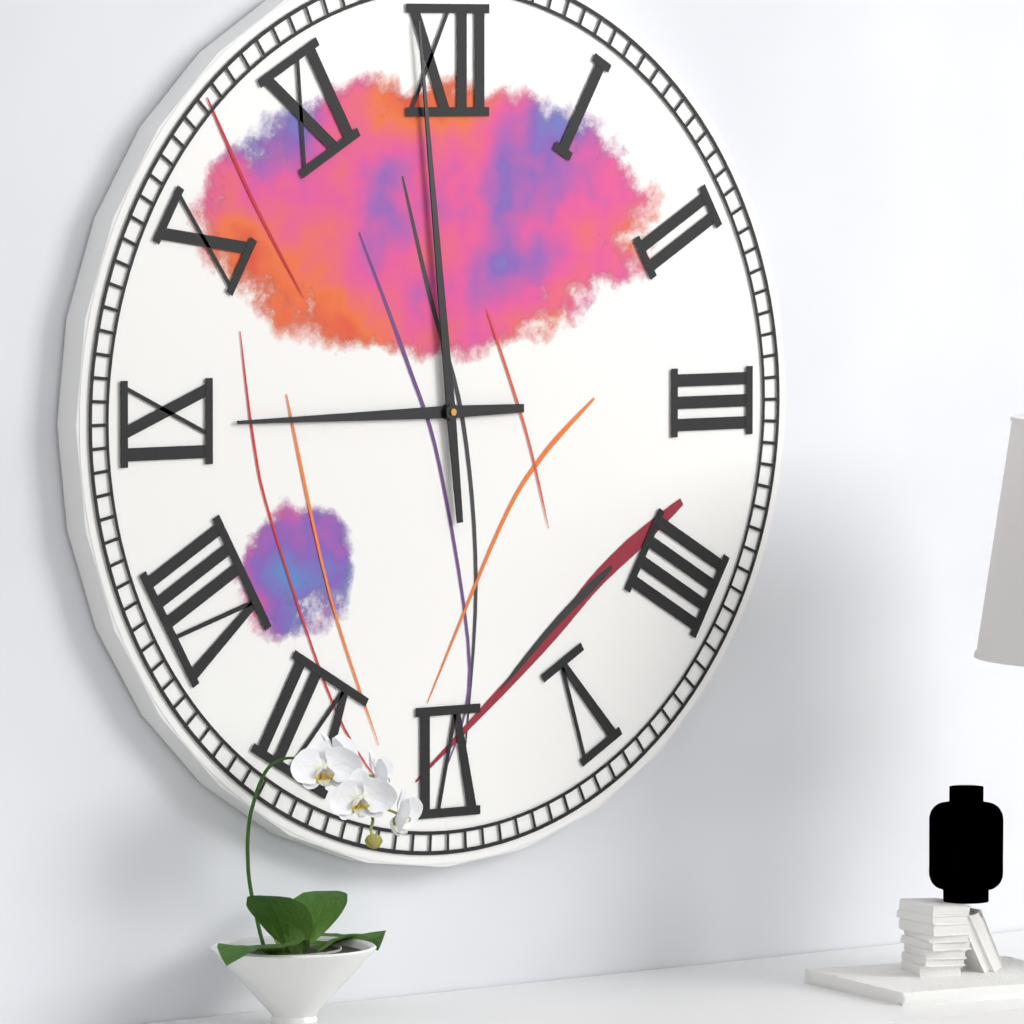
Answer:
8h59
